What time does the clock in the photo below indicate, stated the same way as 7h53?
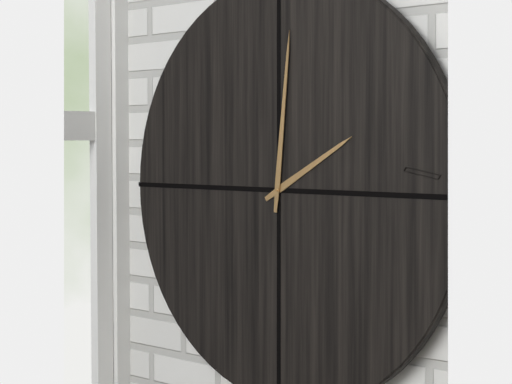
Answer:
2h01
